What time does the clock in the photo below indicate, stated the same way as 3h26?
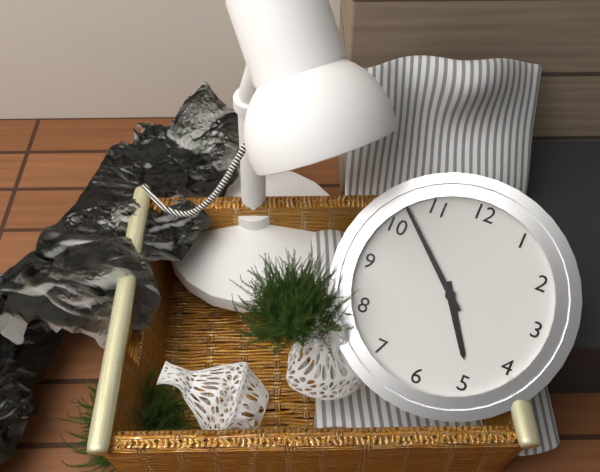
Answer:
4h52
